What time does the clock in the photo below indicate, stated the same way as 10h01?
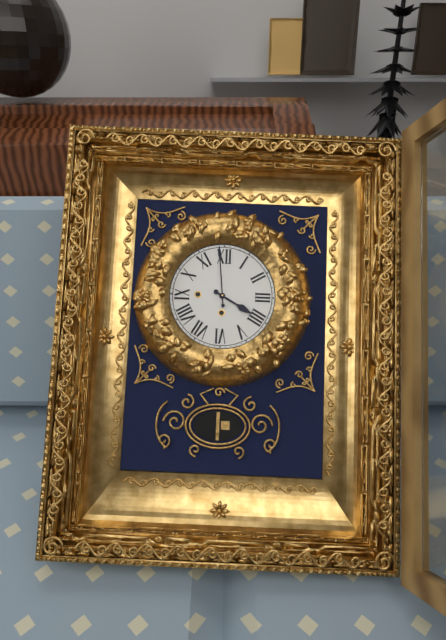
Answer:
3h59
